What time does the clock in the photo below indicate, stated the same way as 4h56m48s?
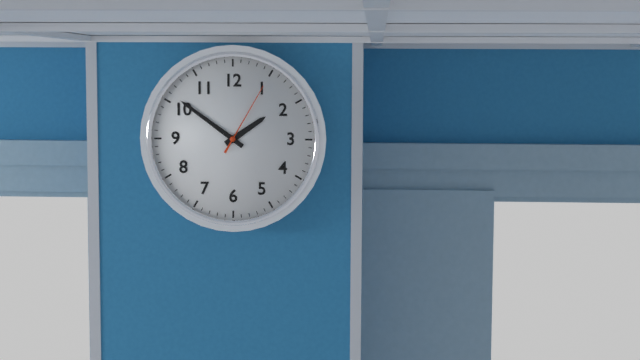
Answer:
1h51m05s
